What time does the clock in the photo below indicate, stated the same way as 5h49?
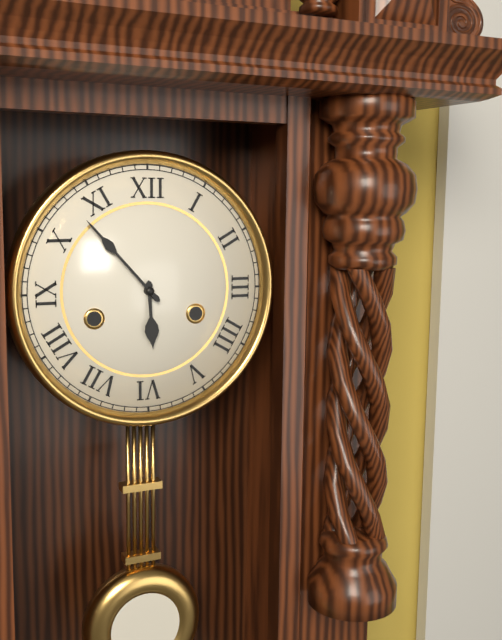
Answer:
5h53
